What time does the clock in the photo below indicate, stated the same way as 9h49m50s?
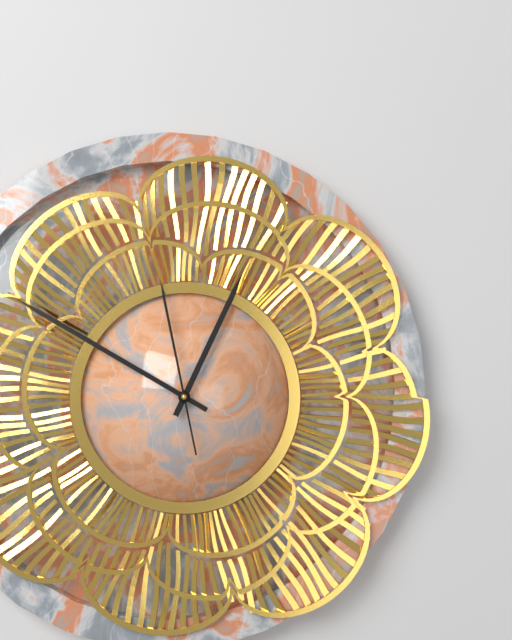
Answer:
12h50m58s
